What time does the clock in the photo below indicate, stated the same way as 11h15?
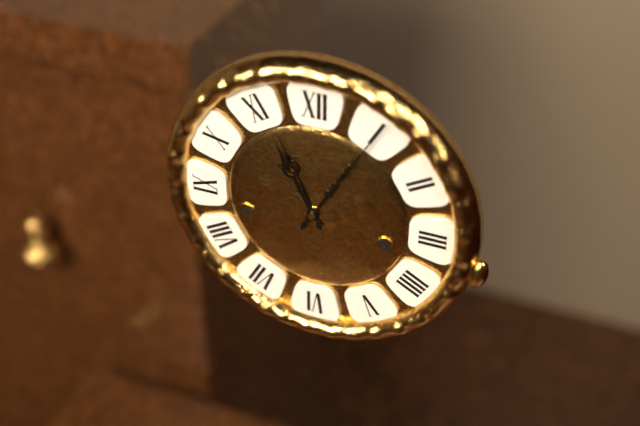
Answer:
11h05
